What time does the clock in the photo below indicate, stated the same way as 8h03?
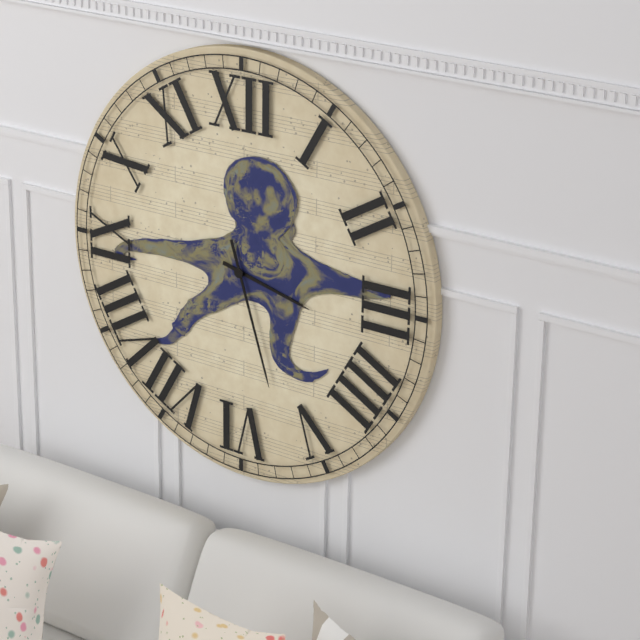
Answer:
3h27
